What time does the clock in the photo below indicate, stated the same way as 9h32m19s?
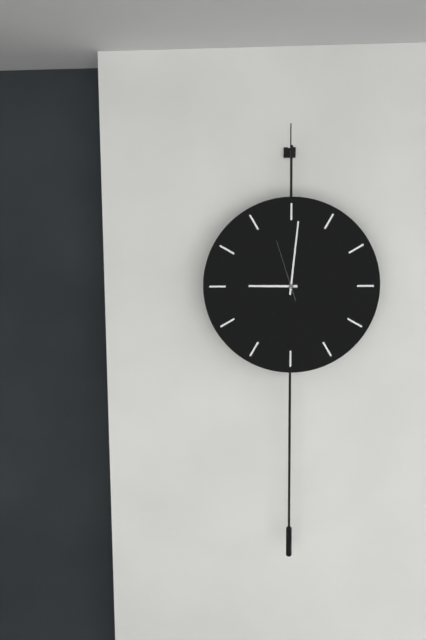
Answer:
9h01m57s
